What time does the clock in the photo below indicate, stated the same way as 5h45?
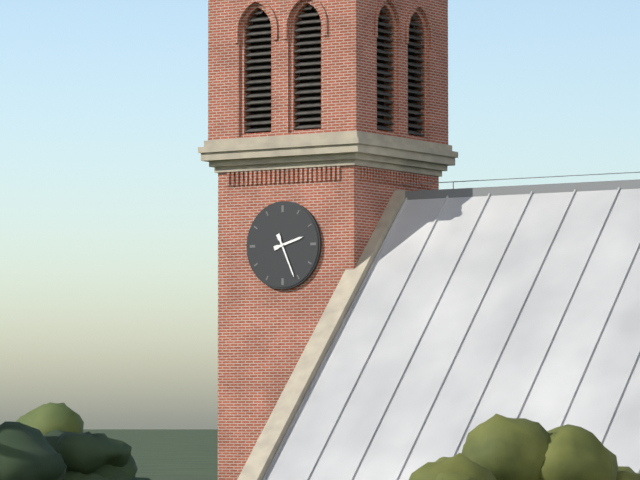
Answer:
2h26
